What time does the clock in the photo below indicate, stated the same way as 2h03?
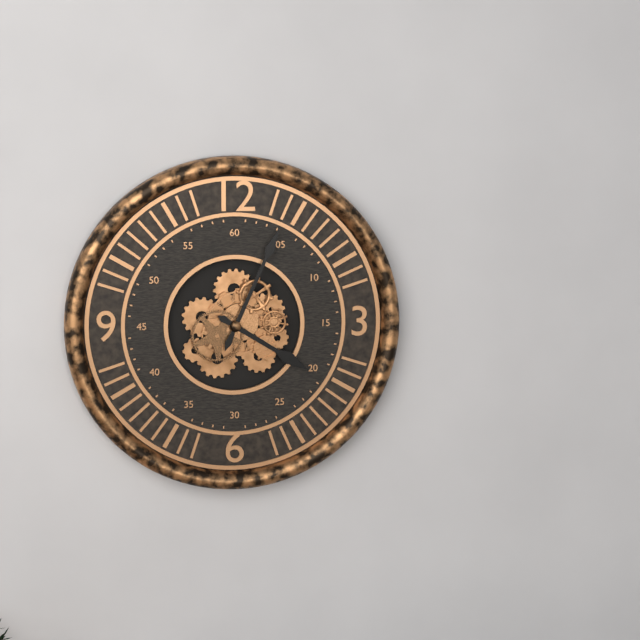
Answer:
4h04
